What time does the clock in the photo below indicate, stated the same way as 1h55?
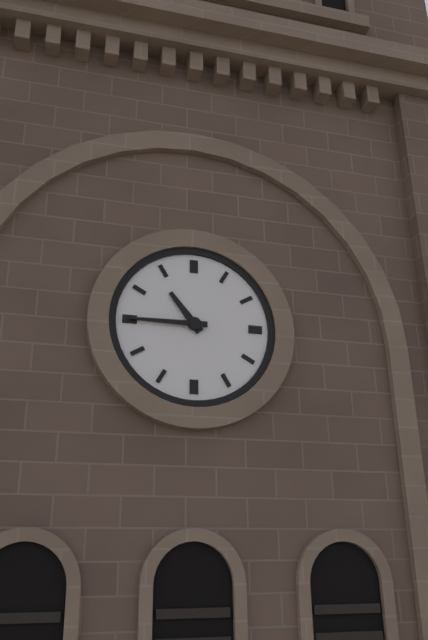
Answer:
10h45
